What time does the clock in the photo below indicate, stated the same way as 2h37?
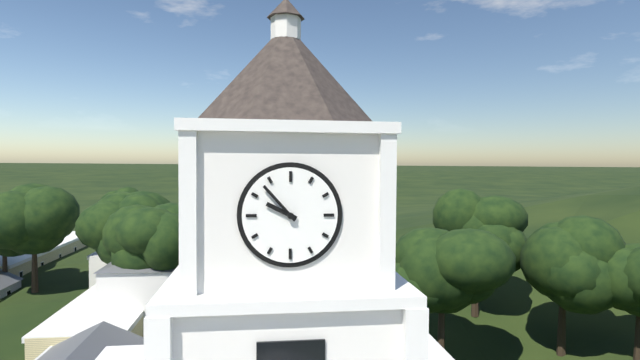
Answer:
9h53
